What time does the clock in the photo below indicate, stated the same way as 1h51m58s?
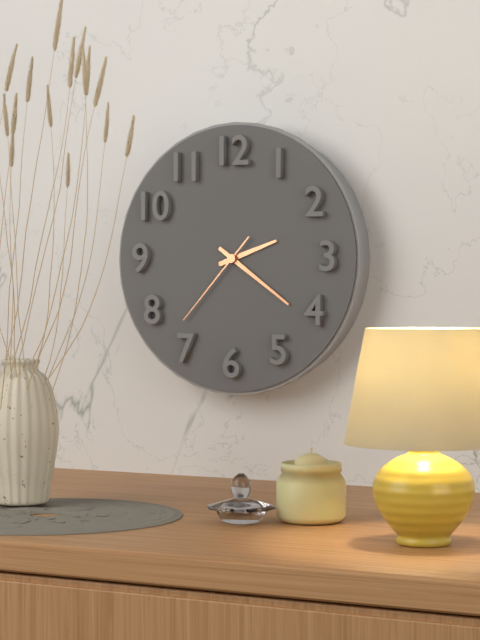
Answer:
2h21m37s
